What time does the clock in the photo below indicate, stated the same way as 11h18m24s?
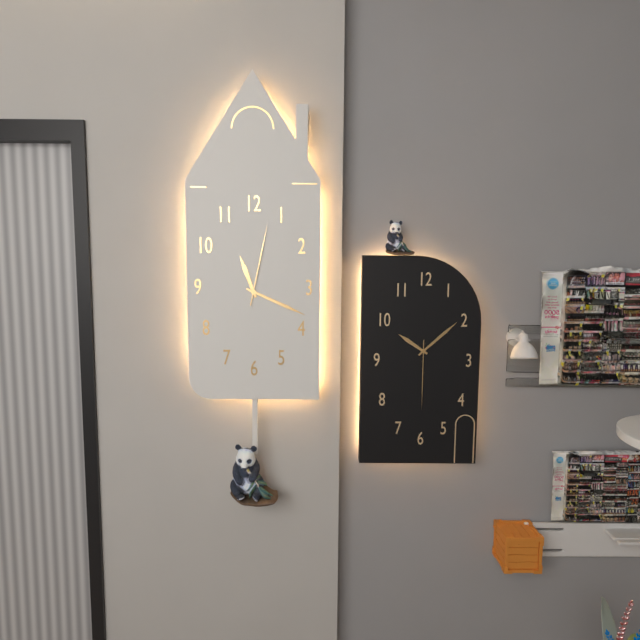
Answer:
11h19m02s
